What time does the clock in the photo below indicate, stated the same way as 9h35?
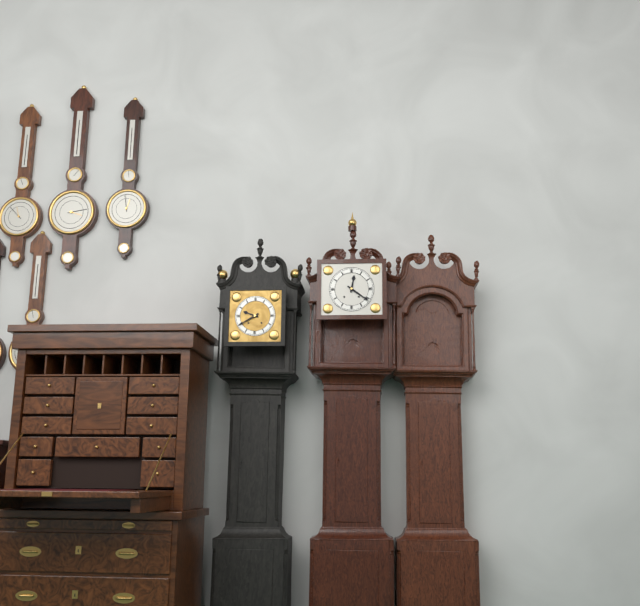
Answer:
12h21
